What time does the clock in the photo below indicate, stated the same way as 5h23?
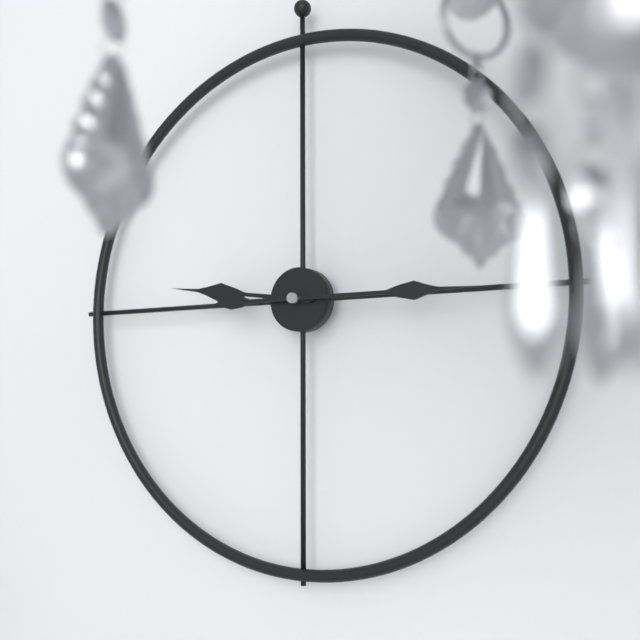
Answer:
9h15
